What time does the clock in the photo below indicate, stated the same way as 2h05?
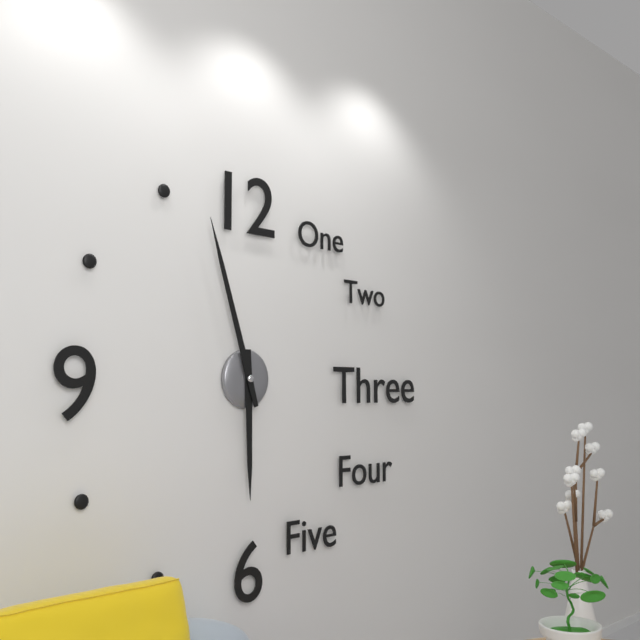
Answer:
5h57
